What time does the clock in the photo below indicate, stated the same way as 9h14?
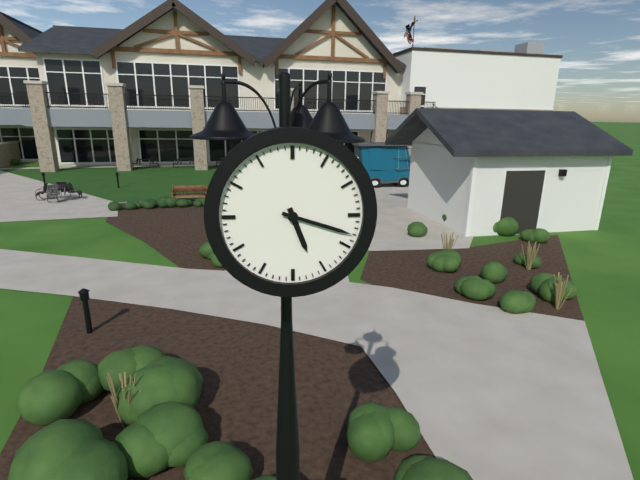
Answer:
5h18
